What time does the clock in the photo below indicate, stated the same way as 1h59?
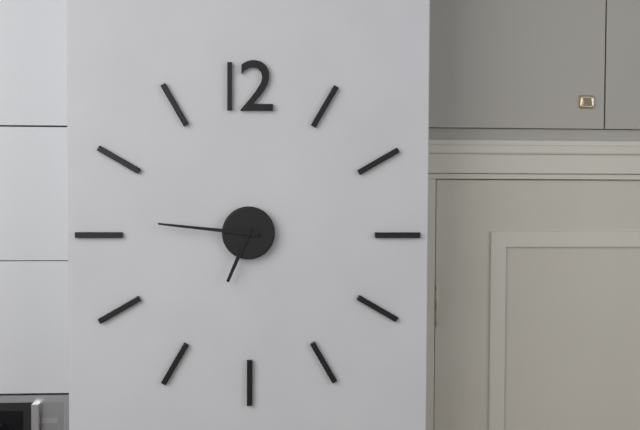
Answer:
6h46
